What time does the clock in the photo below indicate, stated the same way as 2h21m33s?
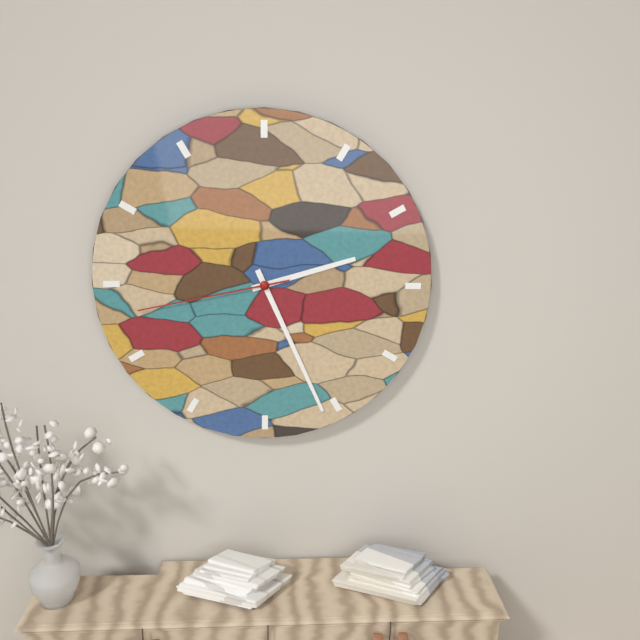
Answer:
2h26m43s
